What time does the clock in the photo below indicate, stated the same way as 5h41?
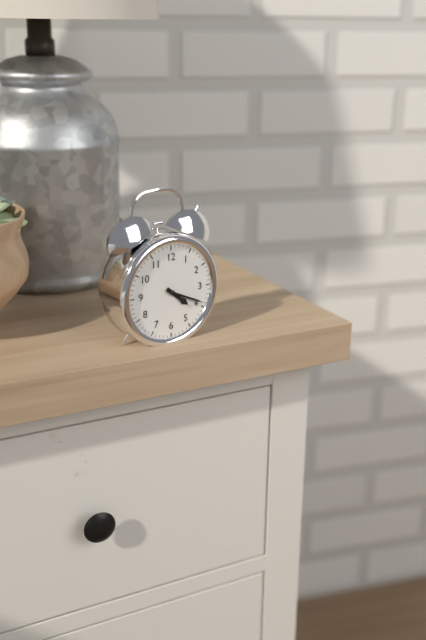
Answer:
4h19
